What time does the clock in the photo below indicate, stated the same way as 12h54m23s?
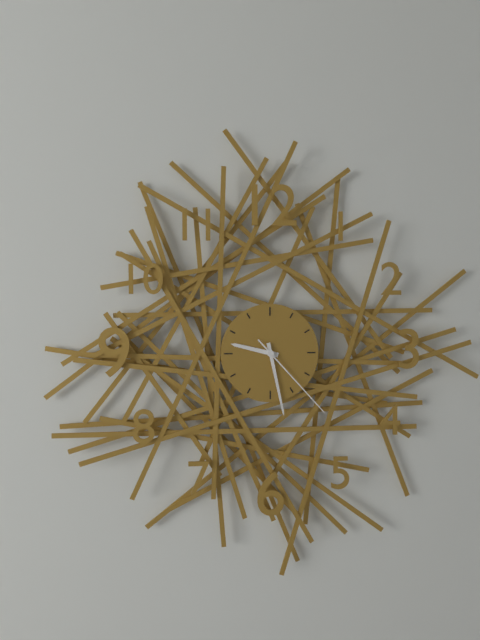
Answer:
9h28m23s
